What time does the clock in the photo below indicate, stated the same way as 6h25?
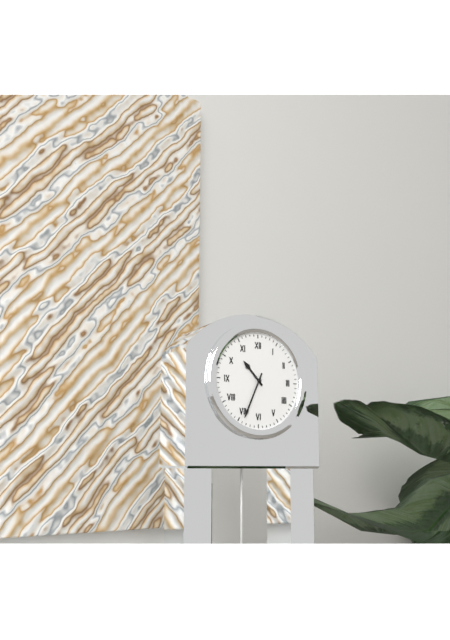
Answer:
10h34
